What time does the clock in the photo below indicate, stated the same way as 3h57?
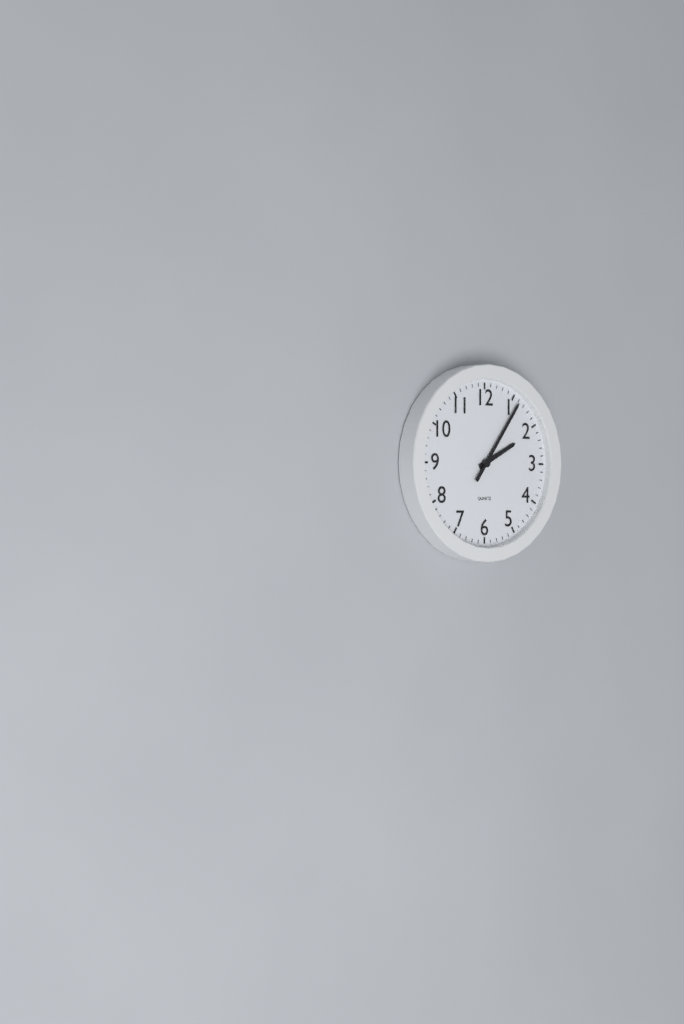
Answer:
2h06
